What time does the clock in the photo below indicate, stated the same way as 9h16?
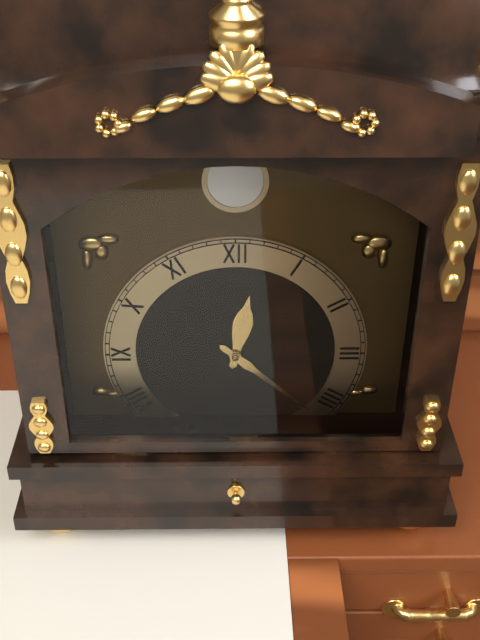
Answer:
12h22
